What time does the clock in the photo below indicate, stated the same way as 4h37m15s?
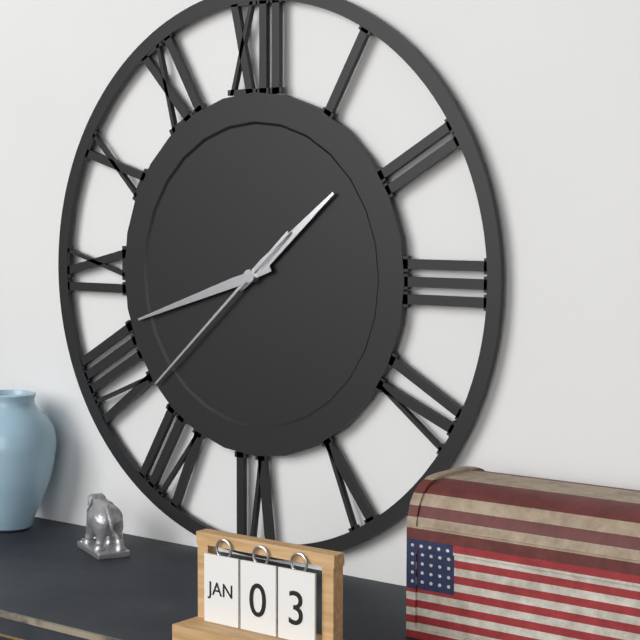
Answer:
1h42m38s
